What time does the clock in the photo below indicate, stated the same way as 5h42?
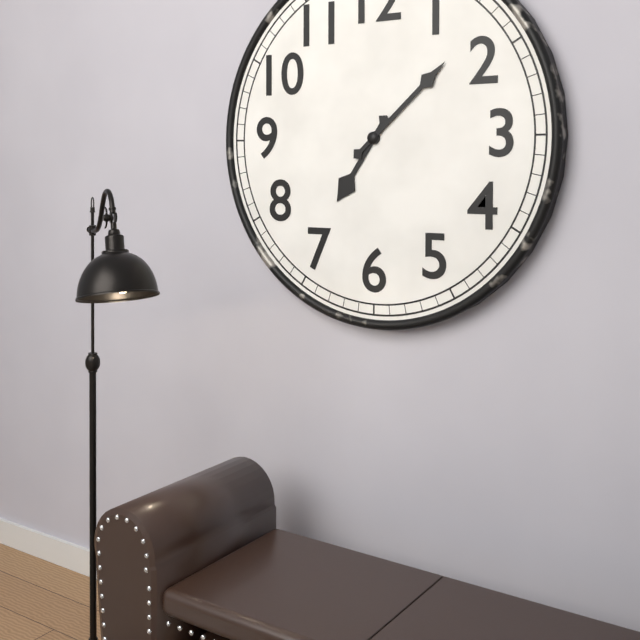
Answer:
7h08
